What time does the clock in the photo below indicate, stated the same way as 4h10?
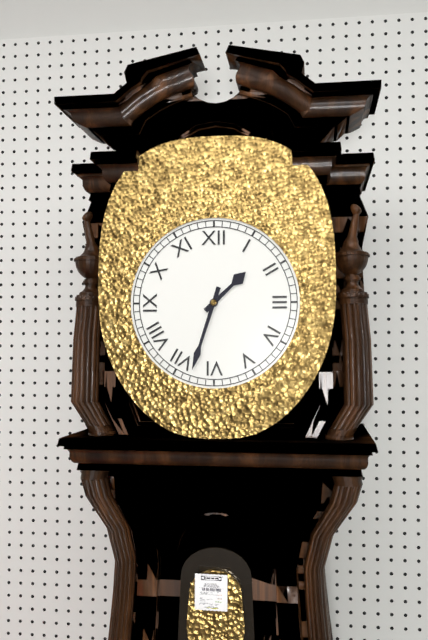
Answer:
1h33
